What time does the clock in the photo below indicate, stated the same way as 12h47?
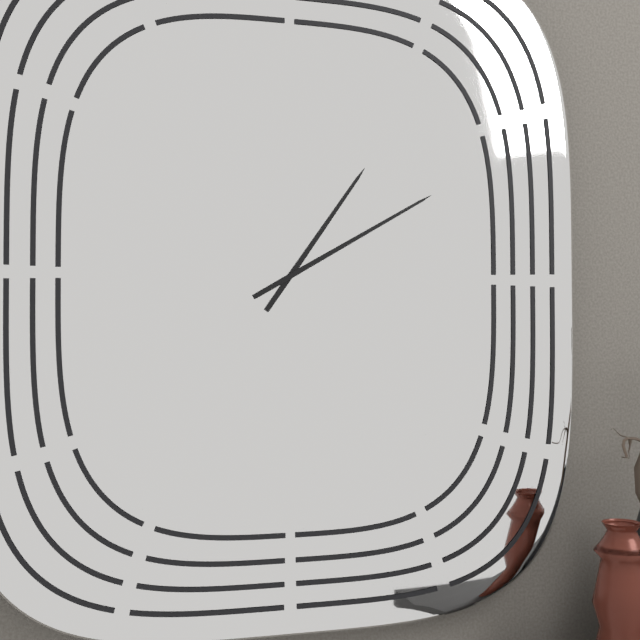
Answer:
1h10
